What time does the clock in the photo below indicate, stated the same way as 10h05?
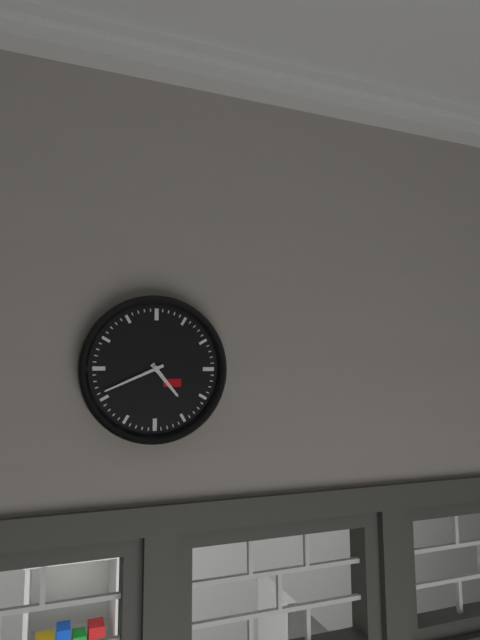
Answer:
4h41
